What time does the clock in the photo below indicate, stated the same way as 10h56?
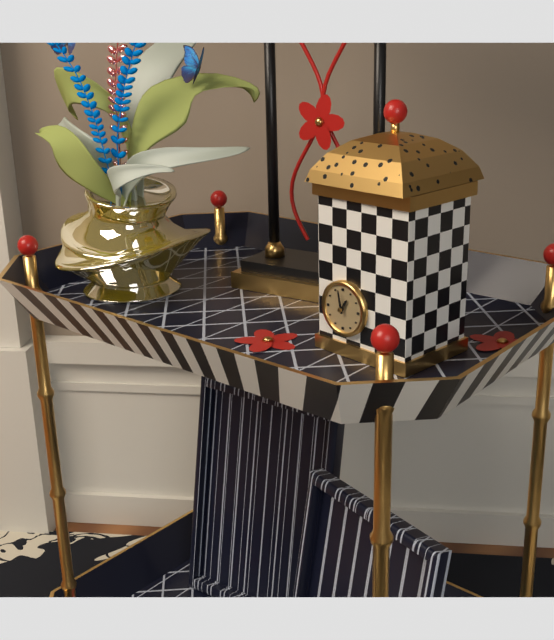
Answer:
12h58
